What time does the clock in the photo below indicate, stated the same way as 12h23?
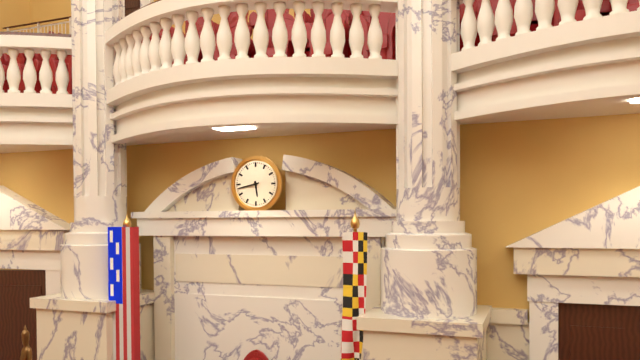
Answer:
5h43
